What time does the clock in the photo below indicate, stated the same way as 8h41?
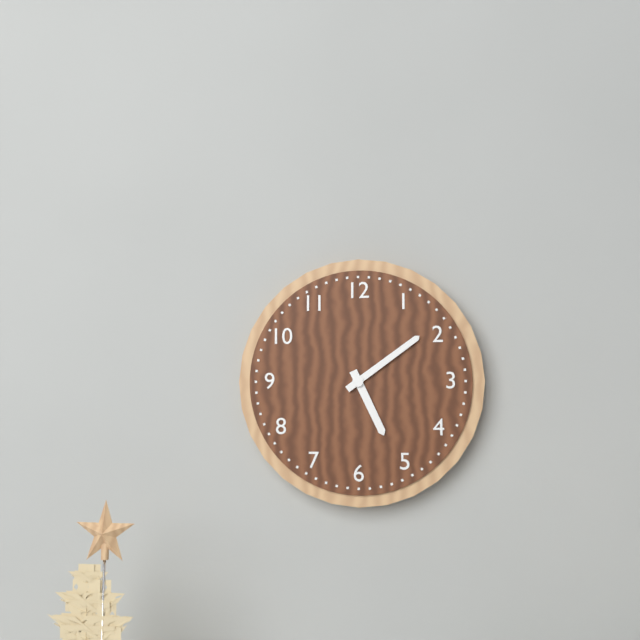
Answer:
5h09
